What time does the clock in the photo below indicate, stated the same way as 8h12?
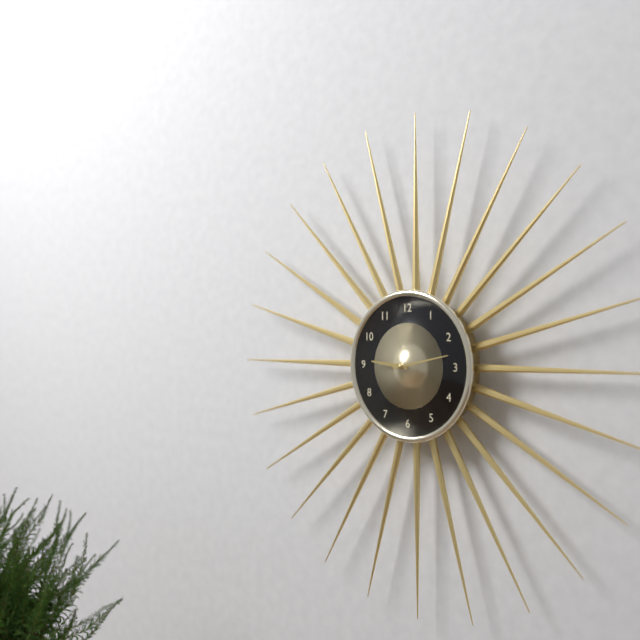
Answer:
9h13
